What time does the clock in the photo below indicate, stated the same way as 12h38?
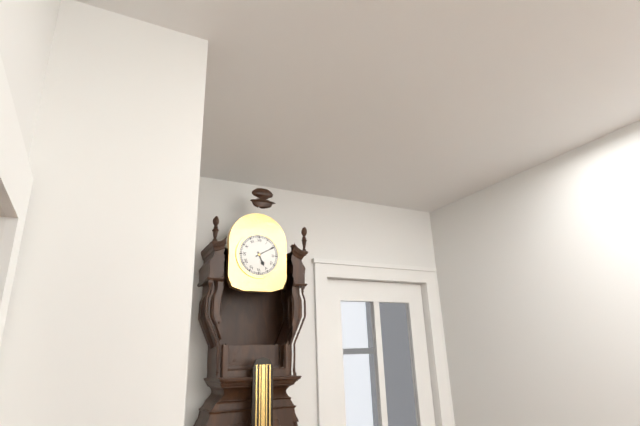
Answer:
5h10
